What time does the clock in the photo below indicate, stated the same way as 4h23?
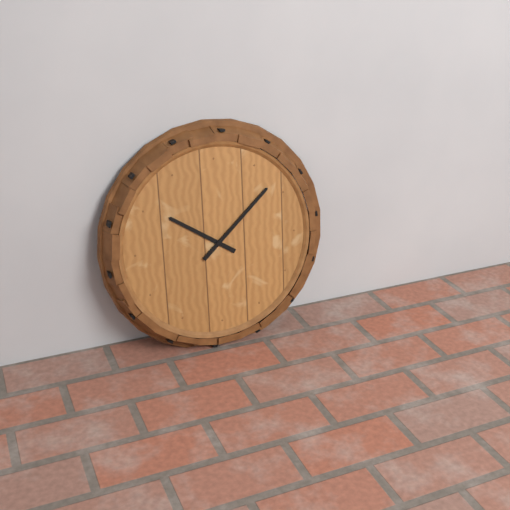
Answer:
10h08
